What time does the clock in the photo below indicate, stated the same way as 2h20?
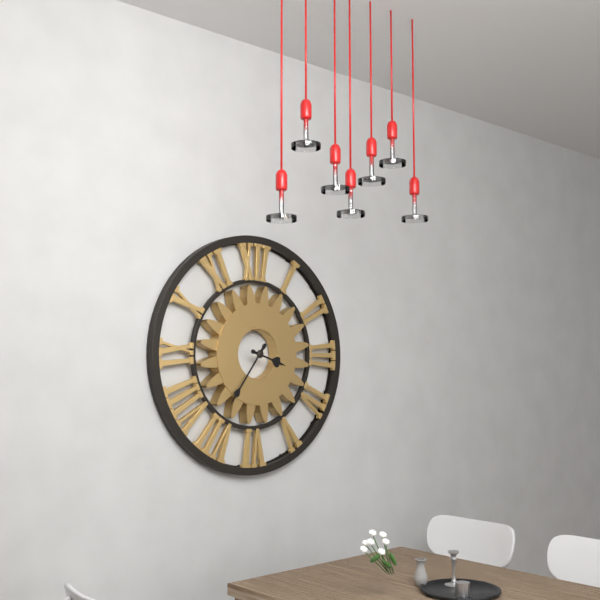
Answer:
3h36
